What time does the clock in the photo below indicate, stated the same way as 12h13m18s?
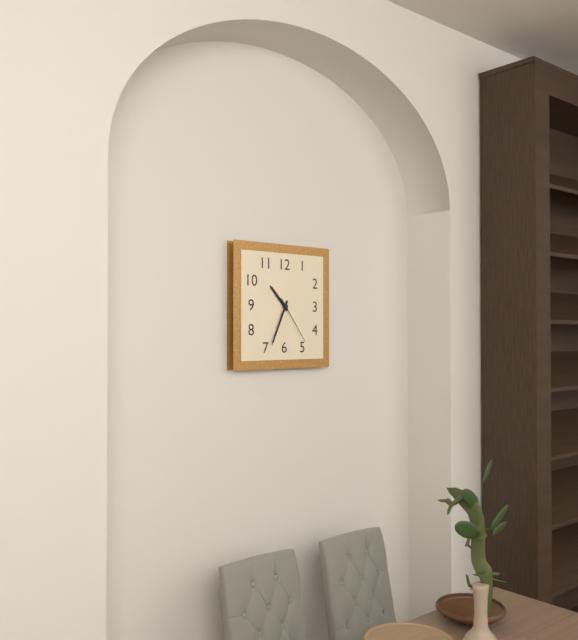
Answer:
10h34m24s
